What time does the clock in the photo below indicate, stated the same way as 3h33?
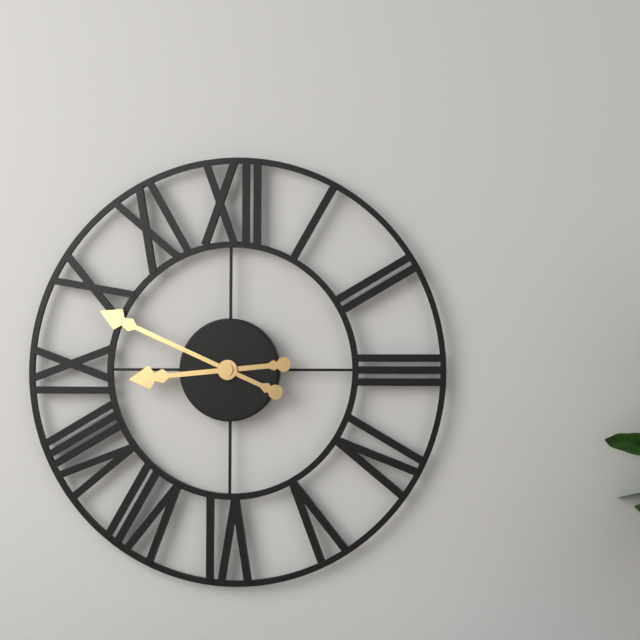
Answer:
8h49
